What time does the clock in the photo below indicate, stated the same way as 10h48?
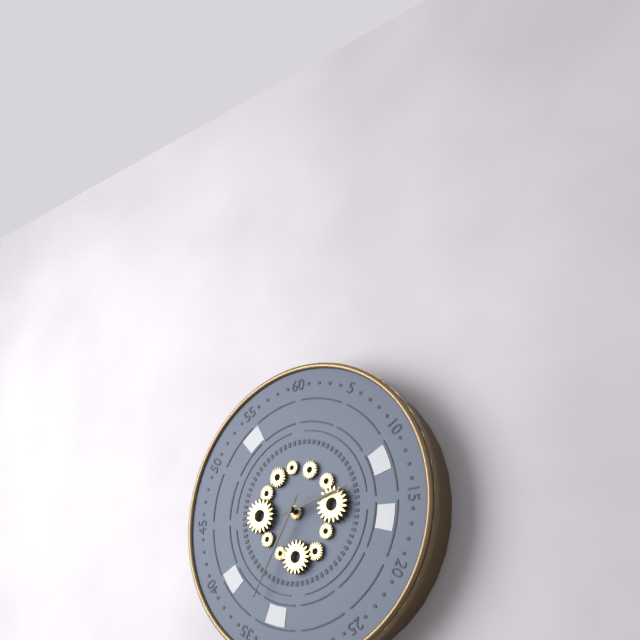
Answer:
2h35
